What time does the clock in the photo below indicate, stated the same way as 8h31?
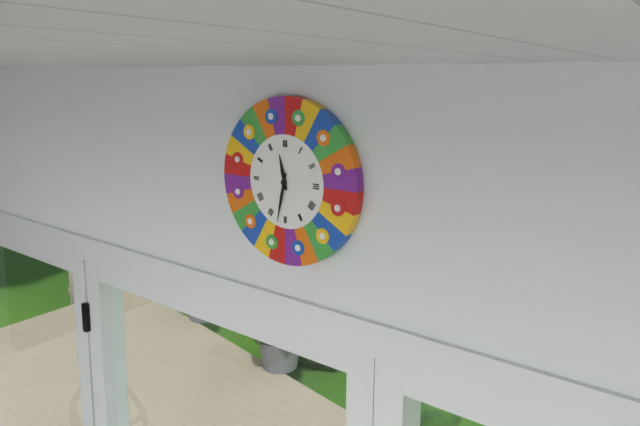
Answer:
11h32
